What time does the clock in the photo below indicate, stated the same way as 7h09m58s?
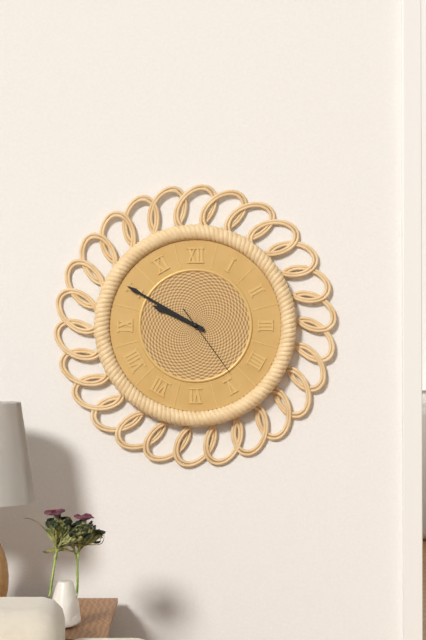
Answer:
9h50m24s
